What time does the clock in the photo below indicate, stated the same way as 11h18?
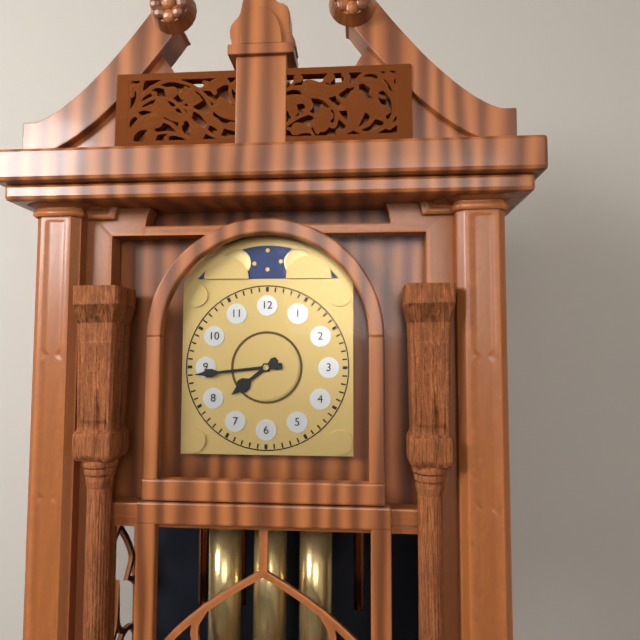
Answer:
7h44
